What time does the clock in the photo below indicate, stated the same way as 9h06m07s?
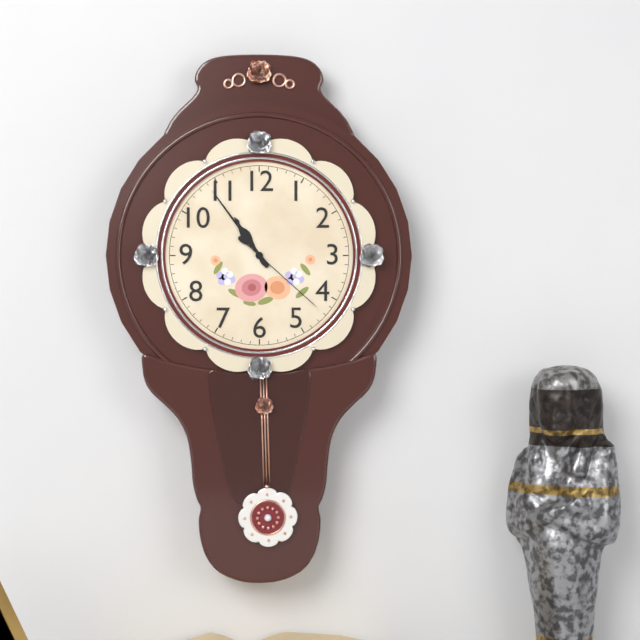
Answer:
10h54m22s
